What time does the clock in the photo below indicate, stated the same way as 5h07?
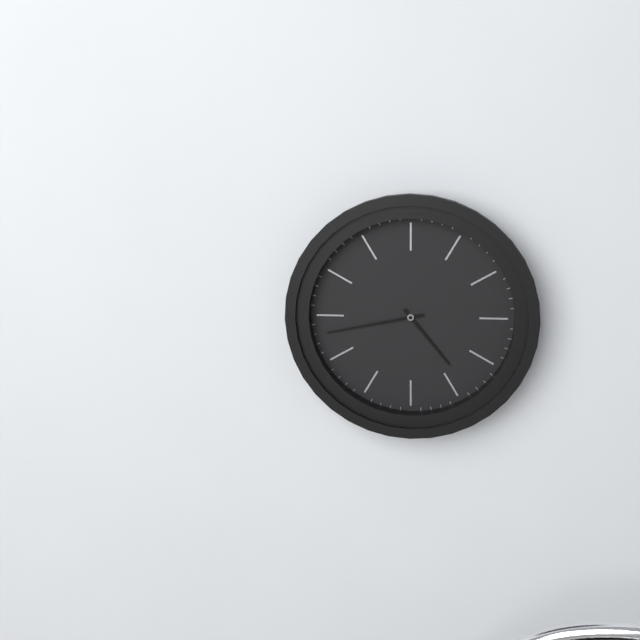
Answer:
4h43
